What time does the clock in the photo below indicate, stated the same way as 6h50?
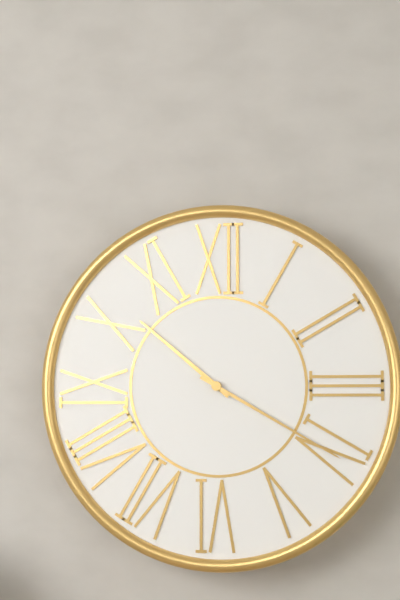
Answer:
10h20
